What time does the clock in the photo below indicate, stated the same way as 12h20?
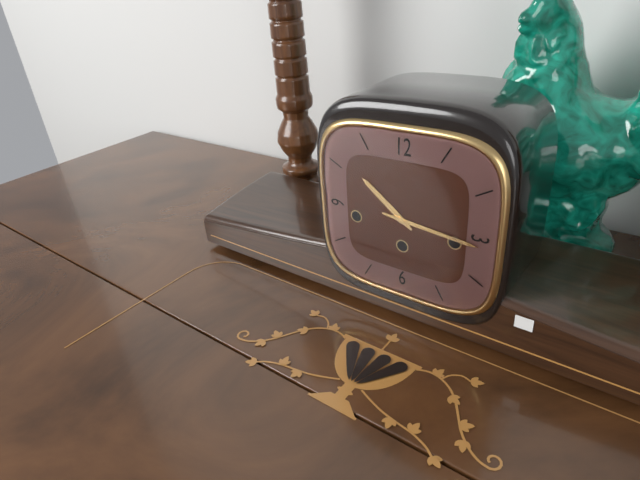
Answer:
10h16
